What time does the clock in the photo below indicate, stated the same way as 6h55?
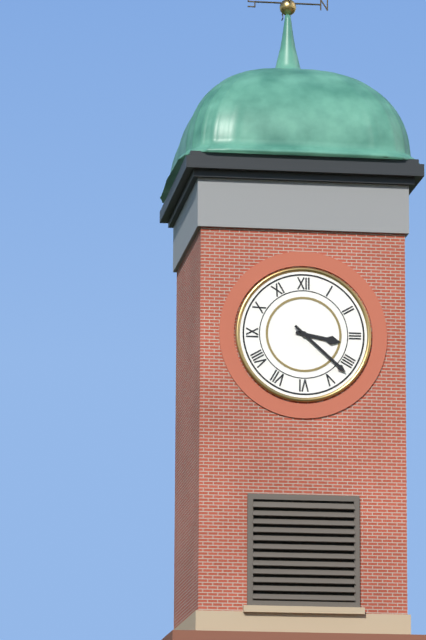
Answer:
3h22
